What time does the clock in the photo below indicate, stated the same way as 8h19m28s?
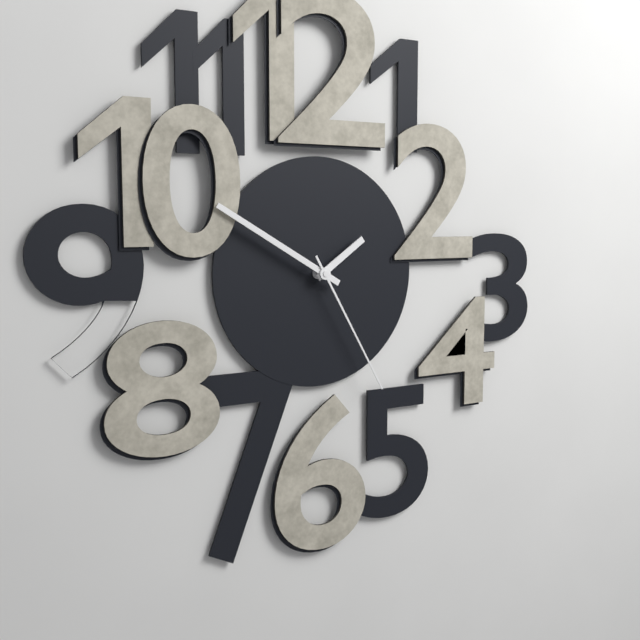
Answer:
1h50m25s
